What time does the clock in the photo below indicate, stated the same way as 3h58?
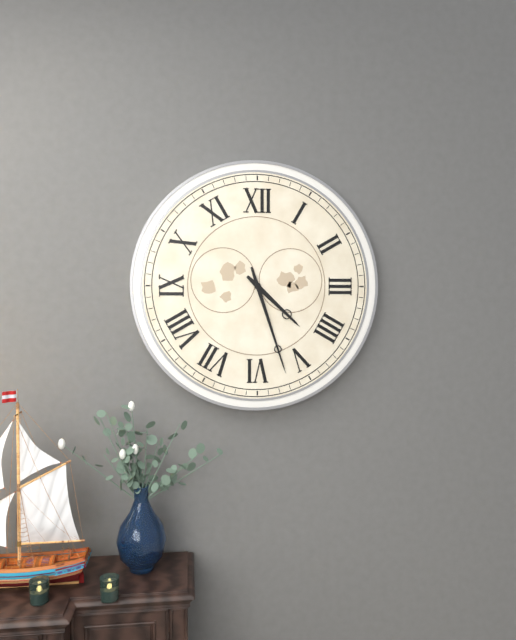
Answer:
4h27
